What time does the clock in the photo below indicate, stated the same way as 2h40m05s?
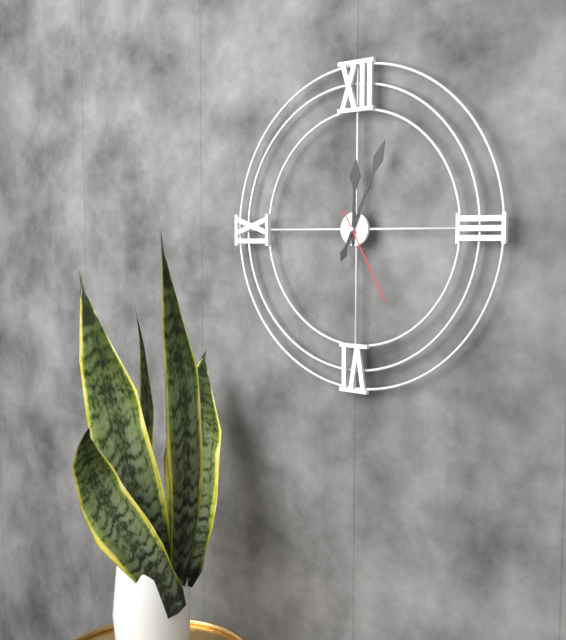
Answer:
12h04m25s
